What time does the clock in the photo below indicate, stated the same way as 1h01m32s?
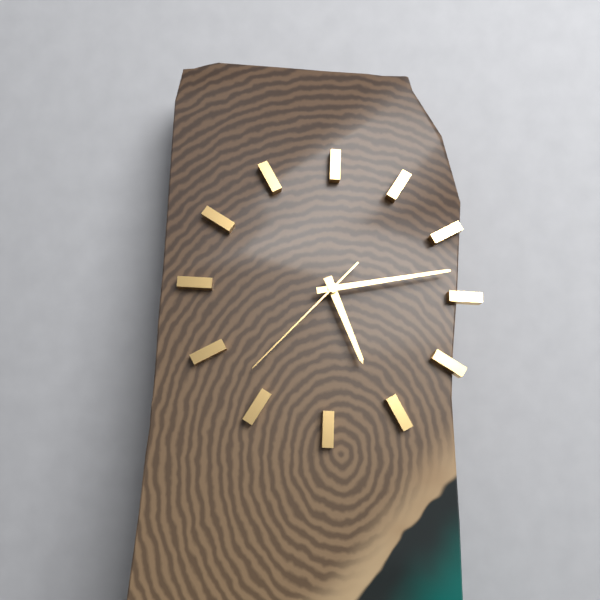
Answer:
5h13m37s
